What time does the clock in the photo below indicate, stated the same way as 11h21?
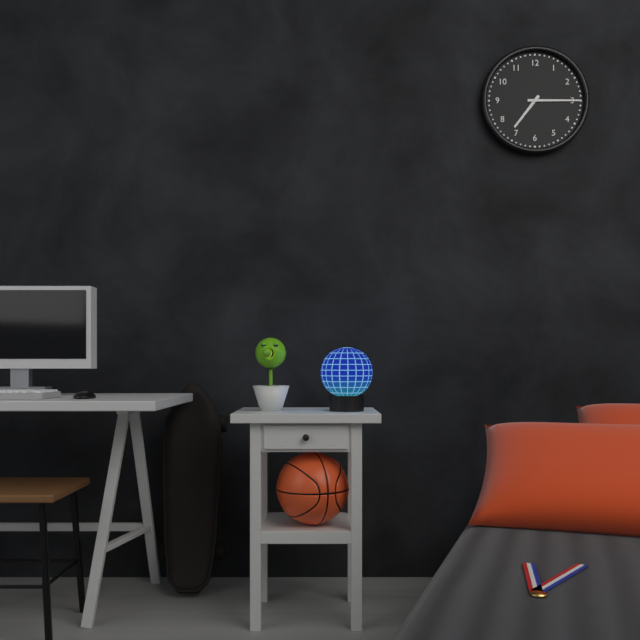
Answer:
7h15
